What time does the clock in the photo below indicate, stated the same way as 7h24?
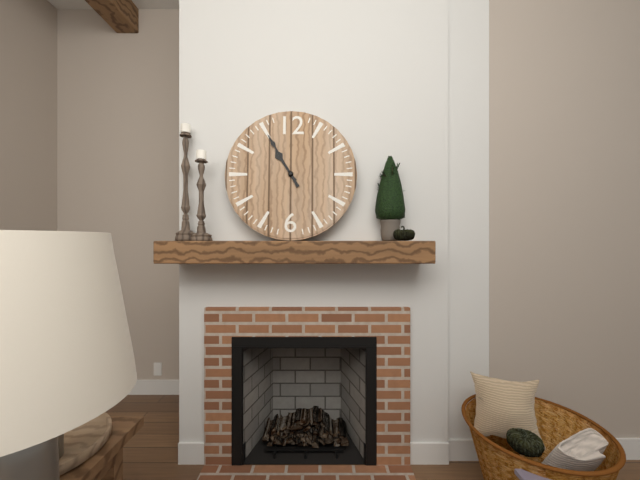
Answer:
10h55
